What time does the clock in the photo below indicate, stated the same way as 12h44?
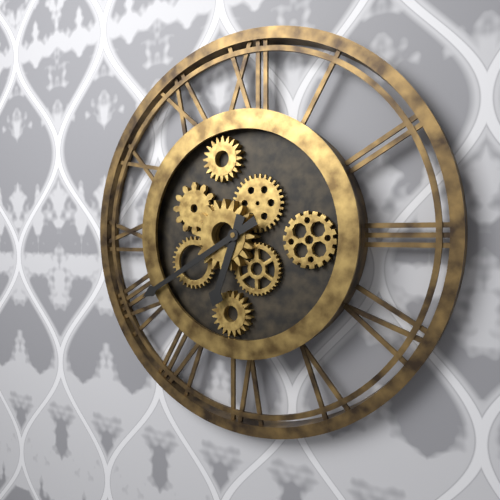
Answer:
6h40
